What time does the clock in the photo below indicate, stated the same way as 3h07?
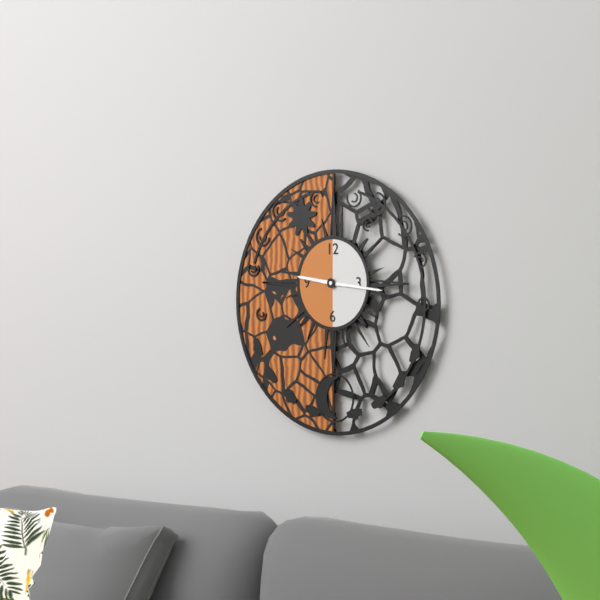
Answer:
9h16
